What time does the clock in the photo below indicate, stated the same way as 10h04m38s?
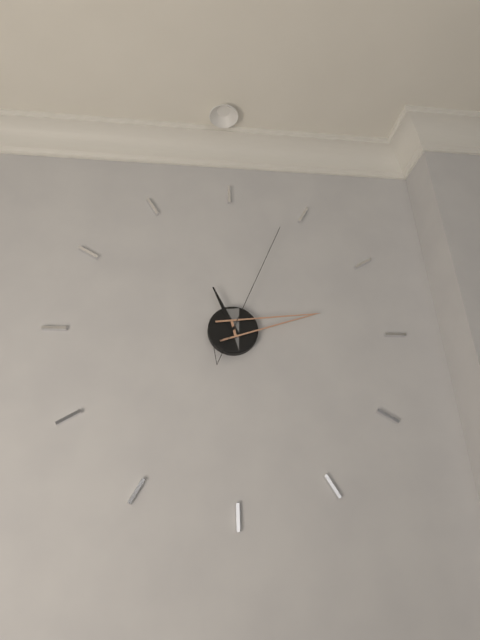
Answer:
11h13m04s
